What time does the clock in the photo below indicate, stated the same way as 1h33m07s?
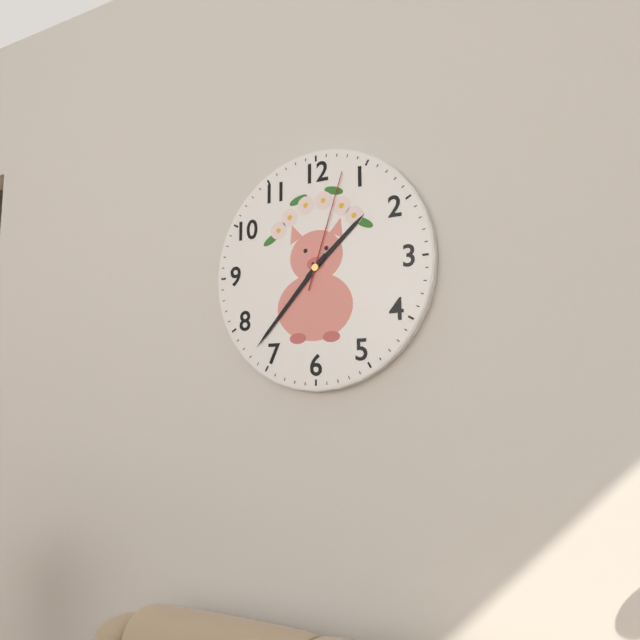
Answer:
1h37m03s
